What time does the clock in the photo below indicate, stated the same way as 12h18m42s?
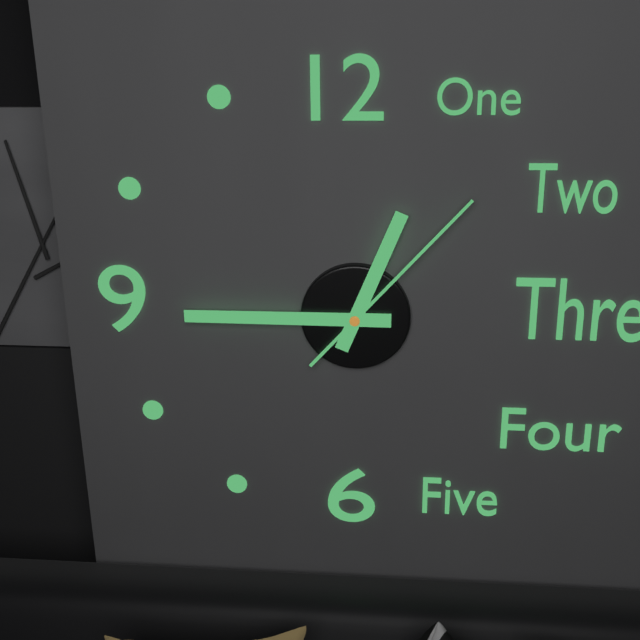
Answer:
12h45m07s
